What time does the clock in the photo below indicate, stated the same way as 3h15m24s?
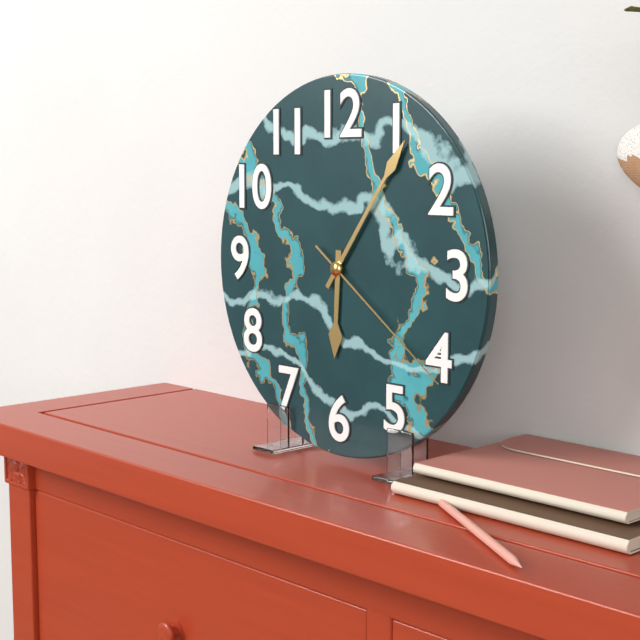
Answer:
6h06m21s
